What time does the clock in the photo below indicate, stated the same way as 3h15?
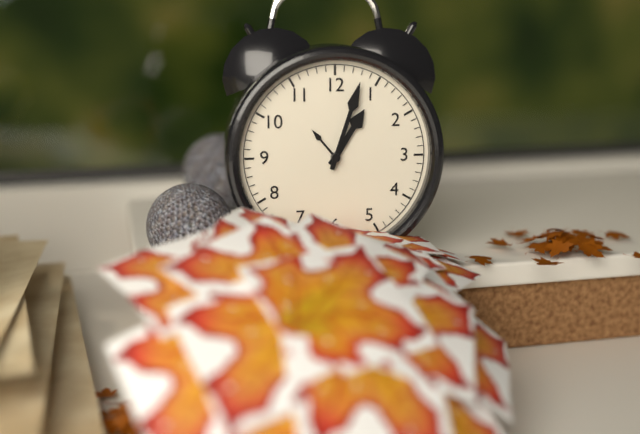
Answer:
1h03
